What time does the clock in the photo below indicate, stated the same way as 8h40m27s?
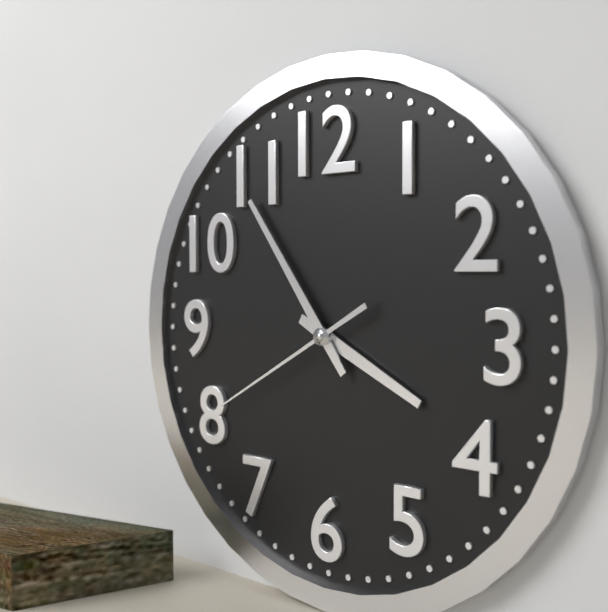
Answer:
3h54m40s
